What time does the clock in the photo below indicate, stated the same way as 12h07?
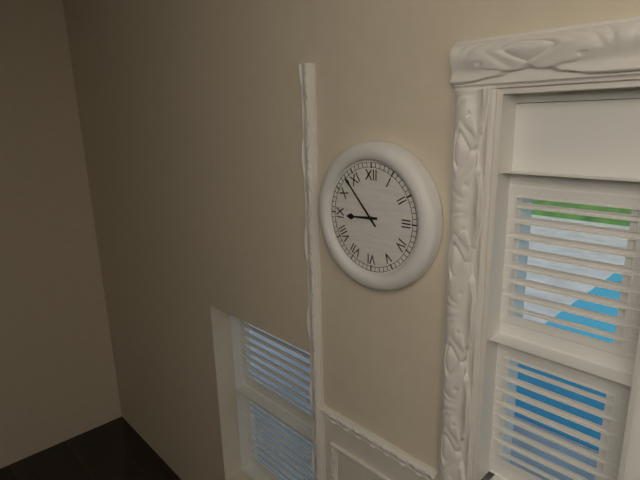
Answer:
8h53
